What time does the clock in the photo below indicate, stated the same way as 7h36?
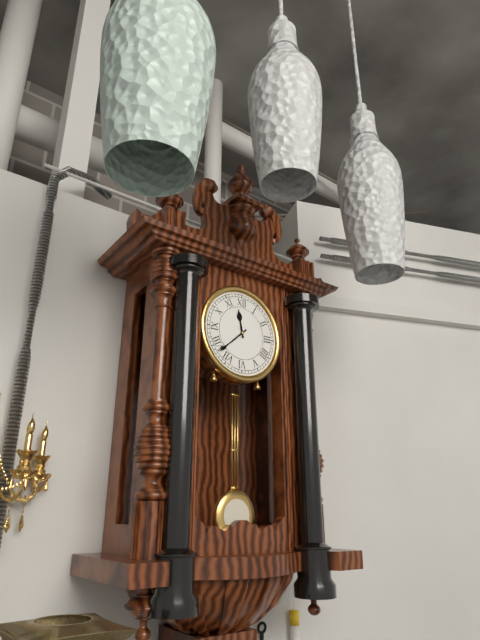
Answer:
11h38
